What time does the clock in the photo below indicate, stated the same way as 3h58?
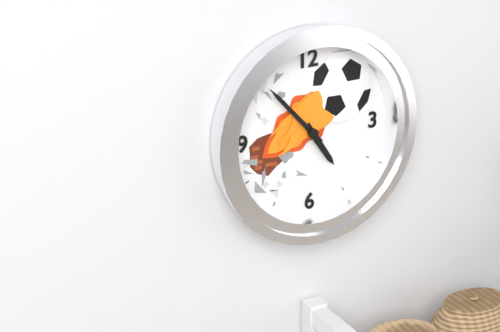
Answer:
4h53
